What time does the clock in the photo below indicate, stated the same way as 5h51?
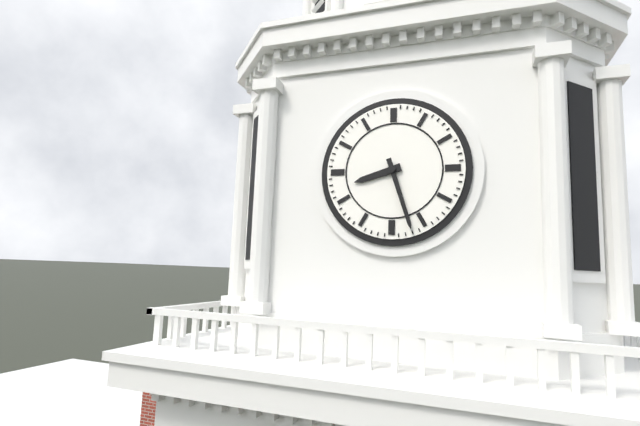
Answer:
8h27
